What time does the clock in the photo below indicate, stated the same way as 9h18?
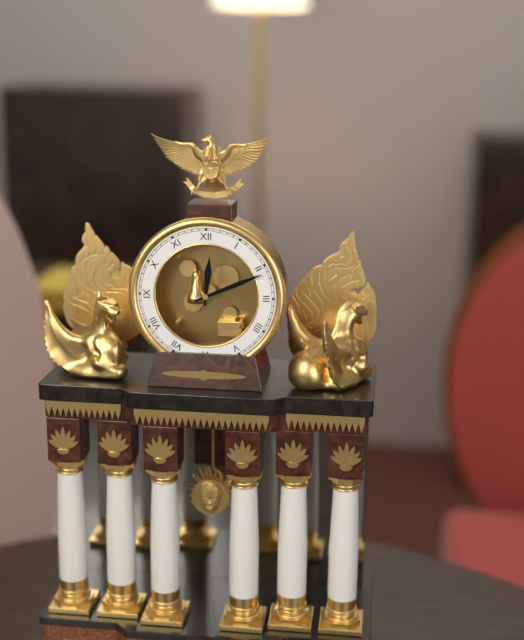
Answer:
12h11
